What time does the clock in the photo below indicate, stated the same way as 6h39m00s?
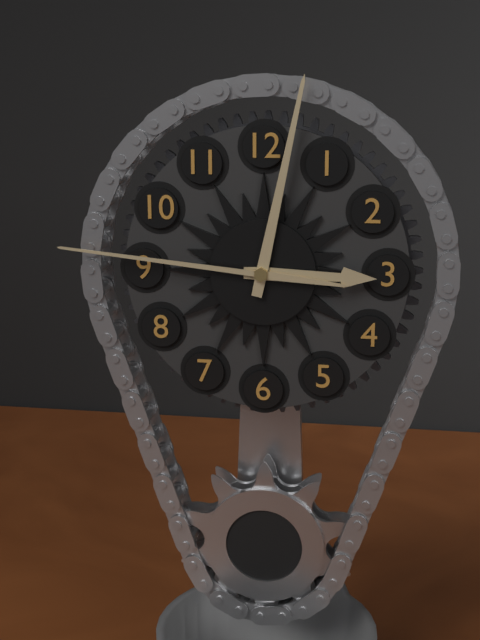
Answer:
3h02m46s
